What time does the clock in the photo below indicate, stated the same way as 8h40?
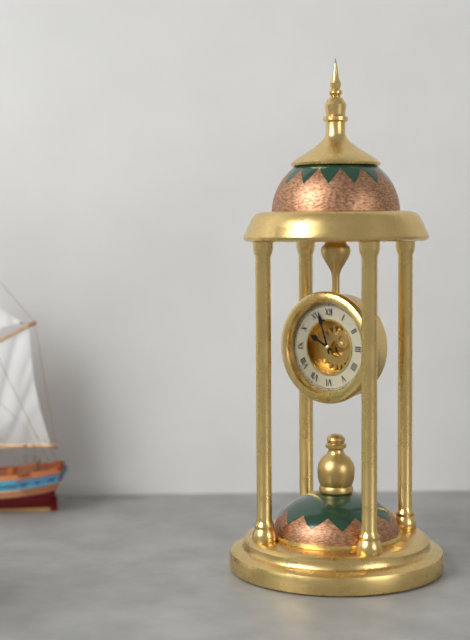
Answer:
9h57
